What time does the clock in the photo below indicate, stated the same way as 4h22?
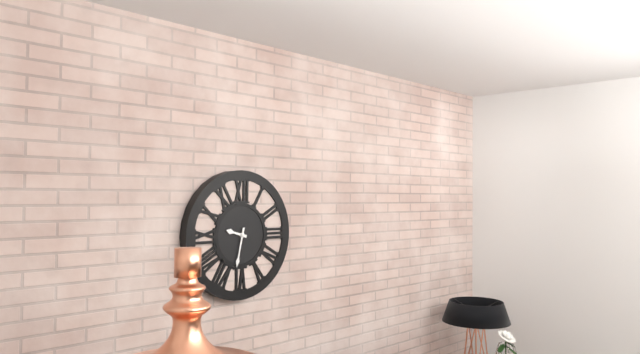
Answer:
9h32
